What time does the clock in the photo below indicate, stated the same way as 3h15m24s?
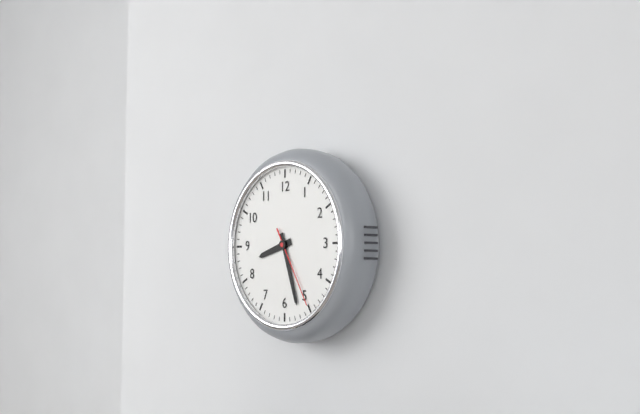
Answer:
8h27m25s
